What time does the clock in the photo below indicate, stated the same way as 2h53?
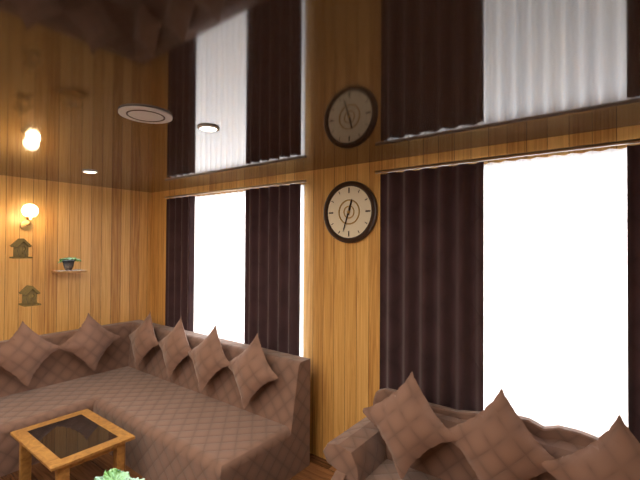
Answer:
12h33
